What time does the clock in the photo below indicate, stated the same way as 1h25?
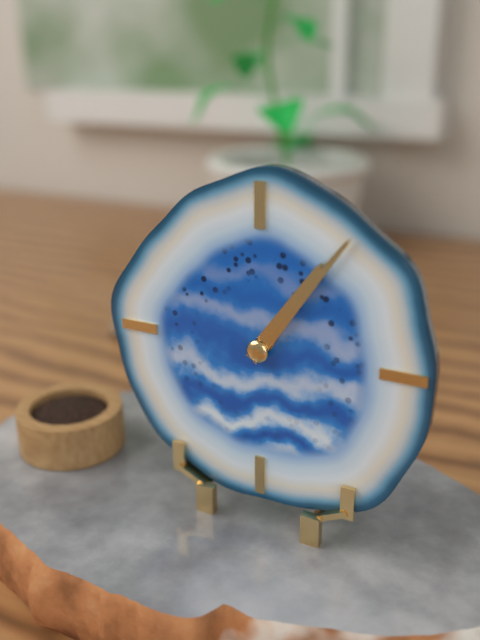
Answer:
1h06
